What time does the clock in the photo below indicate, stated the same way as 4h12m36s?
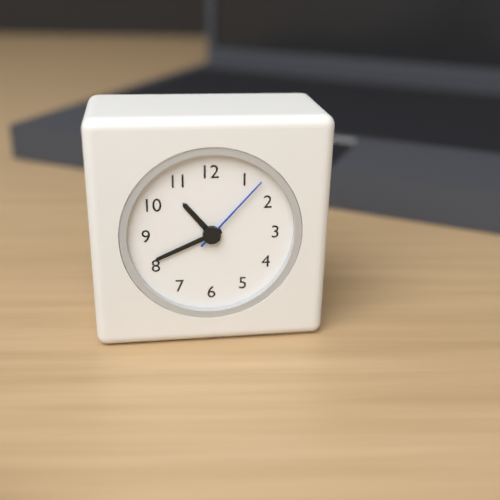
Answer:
10h41m07s
